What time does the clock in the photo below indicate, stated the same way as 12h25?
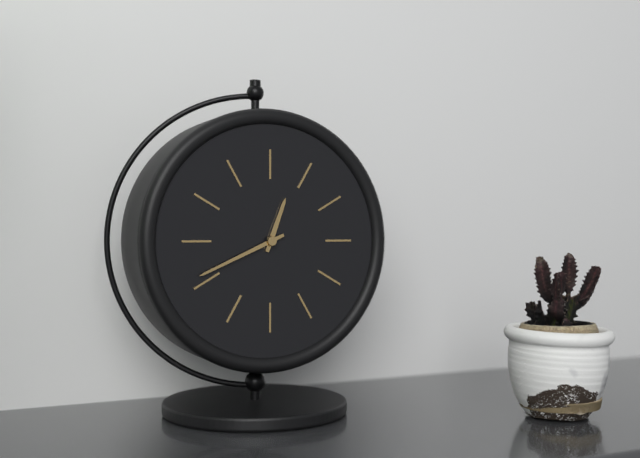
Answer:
12h41
